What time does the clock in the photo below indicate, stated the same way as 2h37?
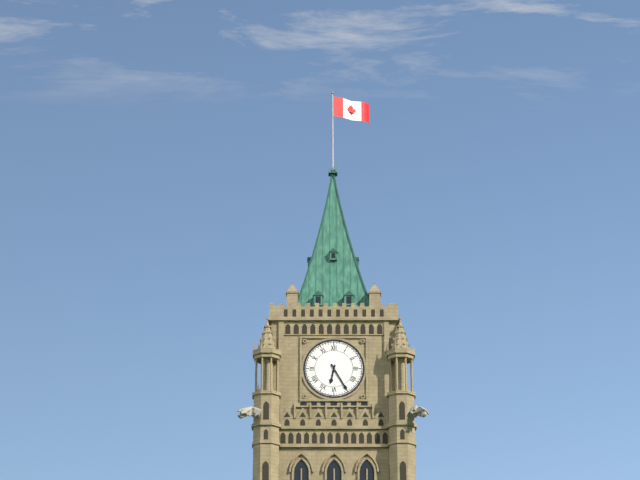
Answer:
6h25
